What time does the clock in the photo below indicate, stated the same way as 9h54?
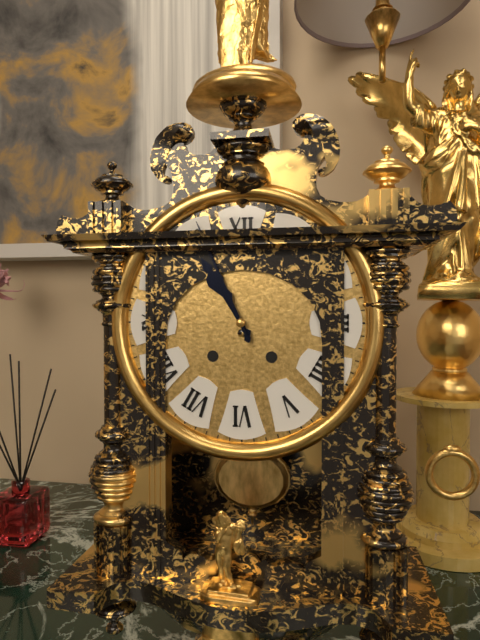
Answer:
10h56
